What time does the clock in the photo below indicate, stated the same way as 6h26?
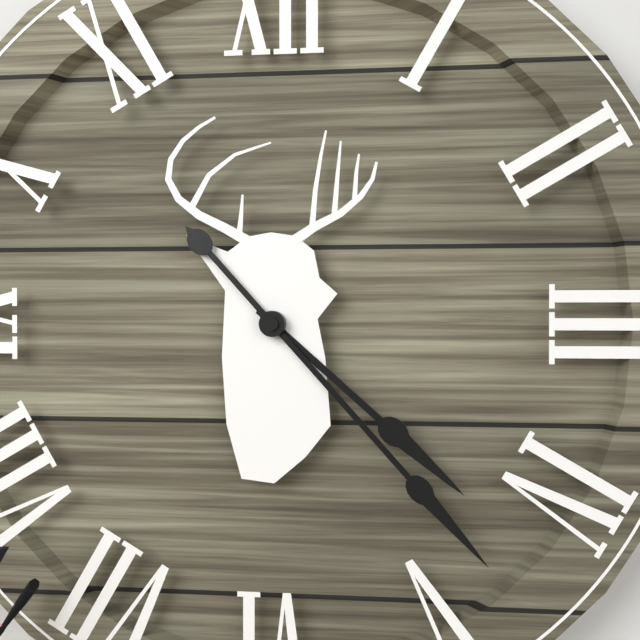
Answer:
4h23
